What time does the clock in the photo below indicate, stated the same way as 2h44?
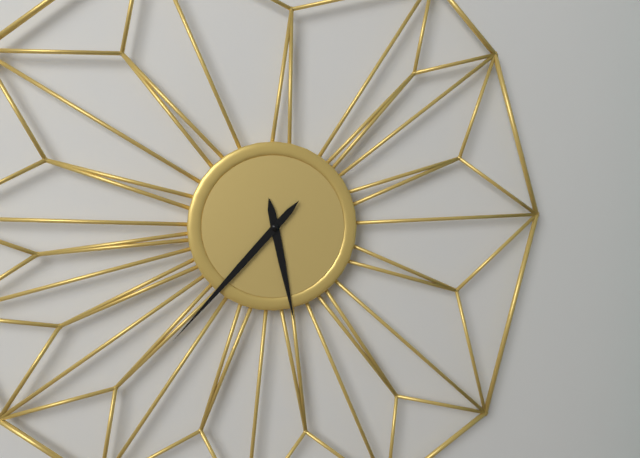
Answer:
5h37
